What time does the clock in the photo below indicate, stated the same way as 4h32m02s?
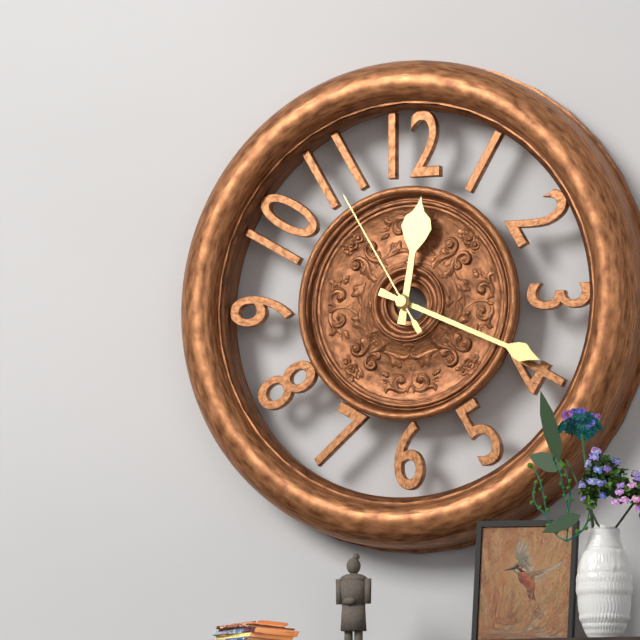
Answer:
12h19m55s
